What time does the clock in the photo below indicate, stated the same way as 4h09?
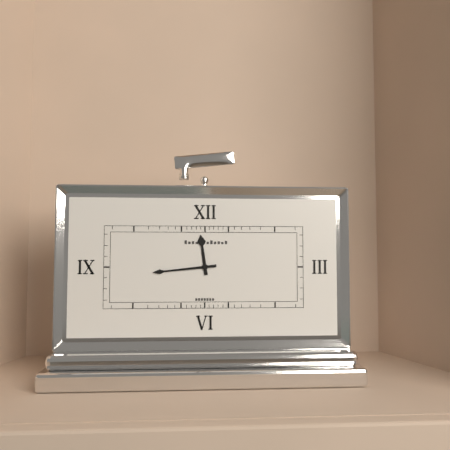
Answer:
11h44
